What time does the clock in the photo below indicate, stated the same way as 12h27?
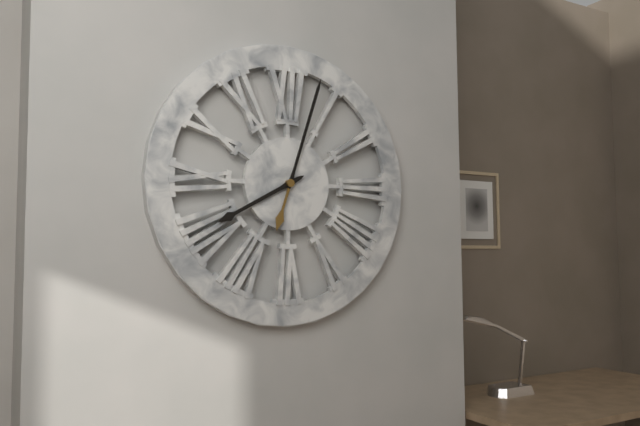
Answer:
8h03
